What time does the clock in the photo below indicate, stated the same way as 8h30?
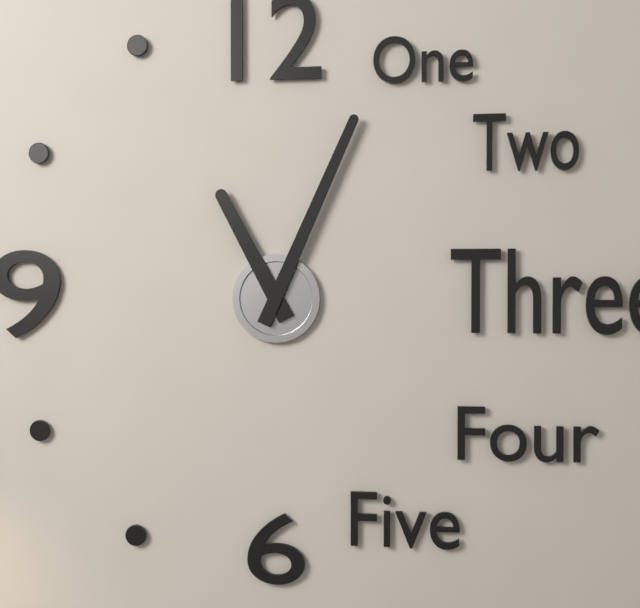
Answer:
11h04
